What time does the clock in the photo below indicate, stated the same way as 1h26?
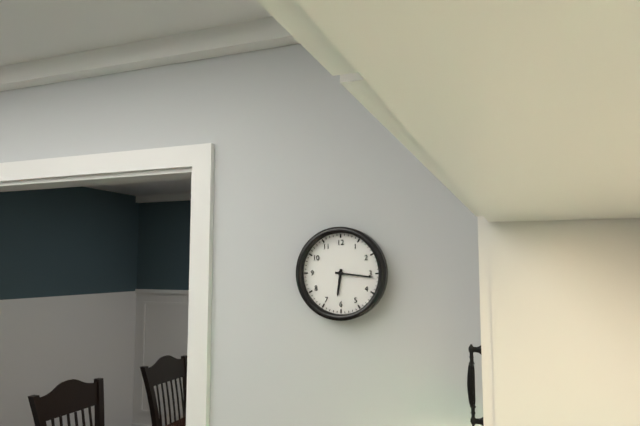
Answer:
6h16
